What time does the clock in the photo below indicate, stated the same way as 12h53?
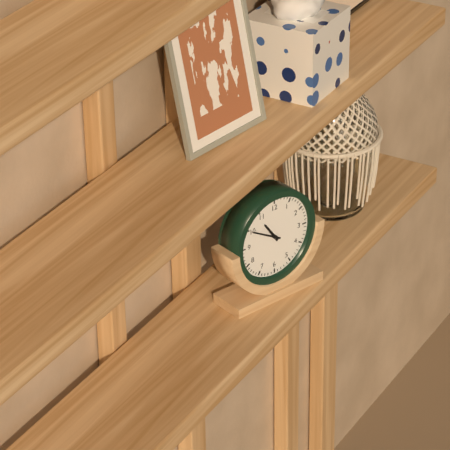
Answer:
10h50
